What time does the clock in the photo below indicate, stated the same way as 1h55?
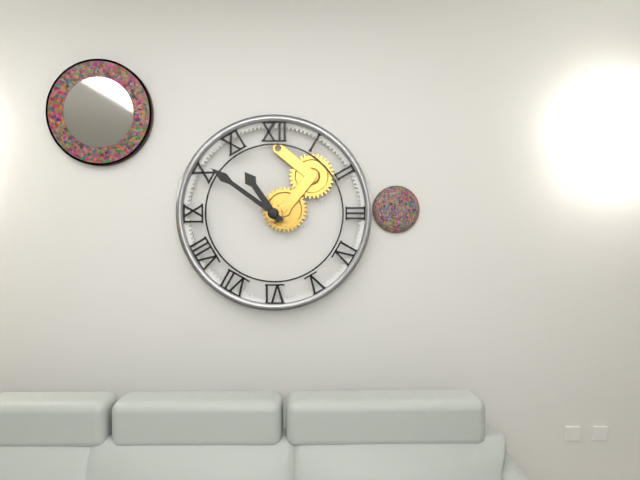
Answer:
10h51
